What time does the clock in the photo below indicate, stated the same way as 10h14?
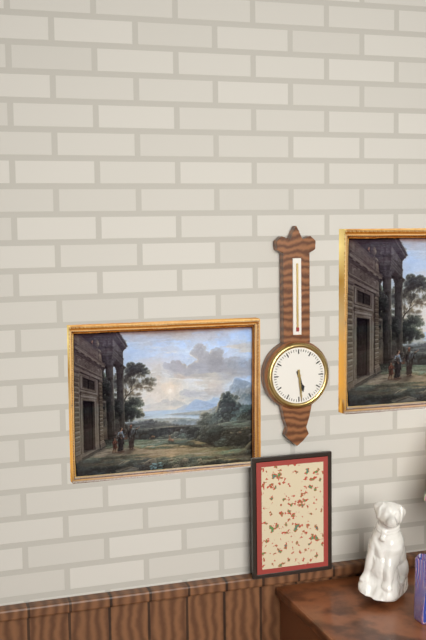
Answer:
5h29
